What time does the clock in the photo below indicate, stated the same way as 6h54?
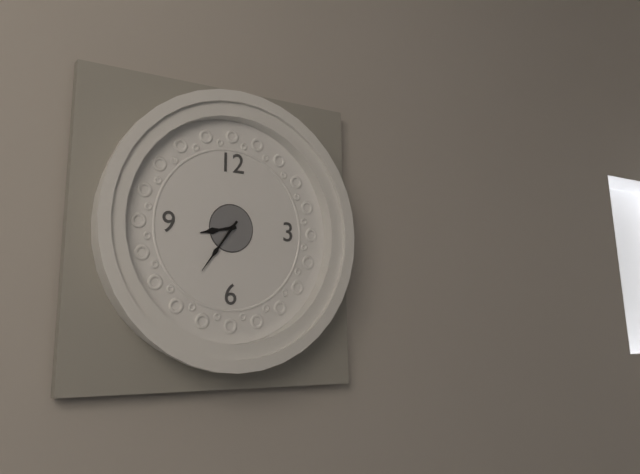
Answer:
8h36
